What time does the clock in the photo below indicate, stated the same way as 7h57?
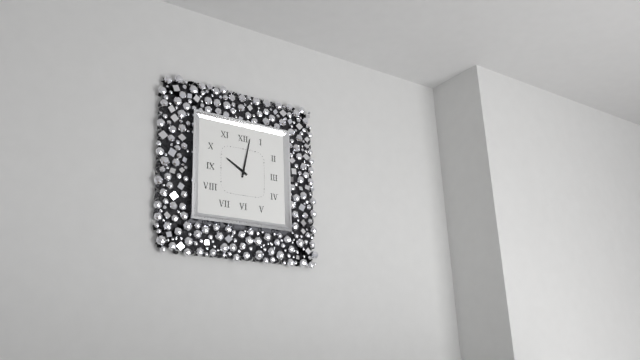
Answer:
10h02
